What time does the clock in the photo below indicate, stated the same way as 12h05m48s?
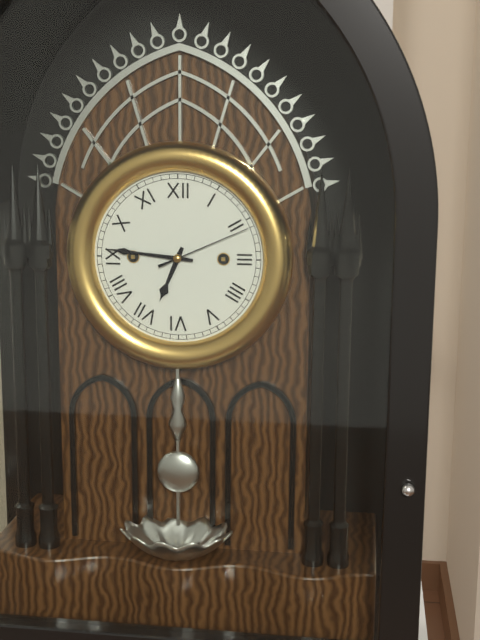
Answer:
6h46m11s
